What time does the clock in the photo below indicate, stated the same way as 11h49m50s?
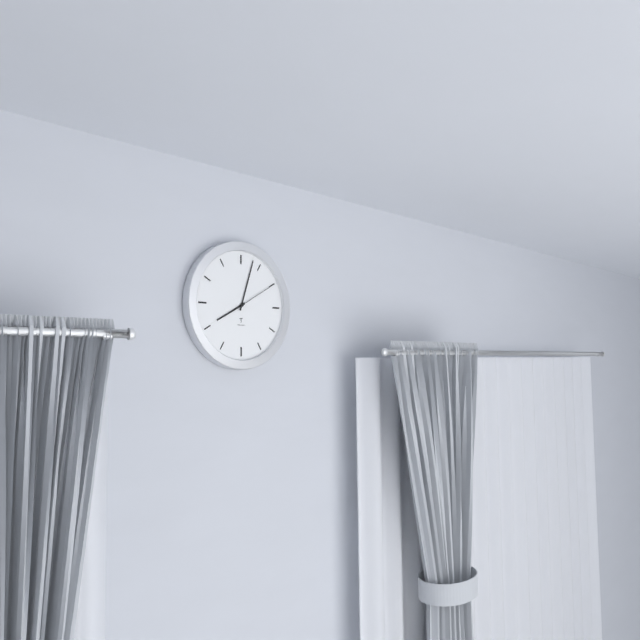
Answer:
8h03m10s
